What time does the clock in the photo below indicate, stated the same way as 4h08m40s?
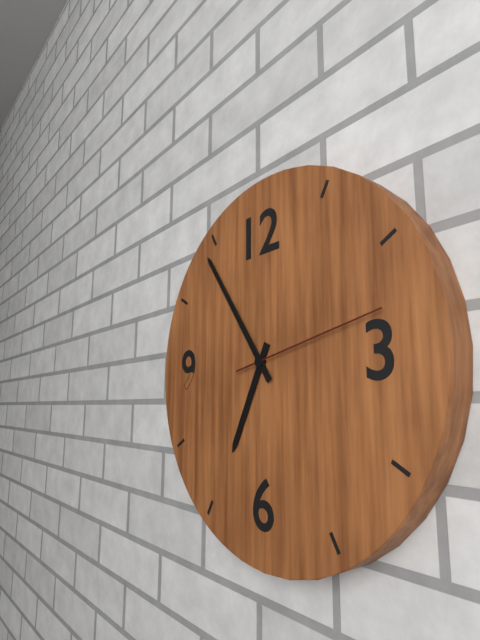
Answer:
6h54m13s
